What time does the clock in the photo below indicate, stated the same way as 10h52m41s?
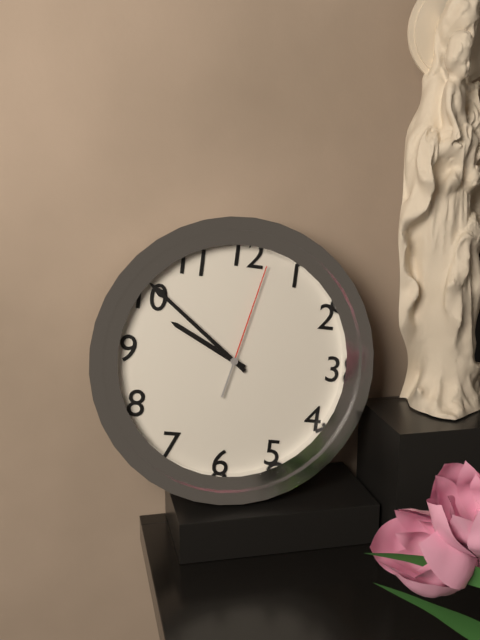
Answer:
9h51m02s
